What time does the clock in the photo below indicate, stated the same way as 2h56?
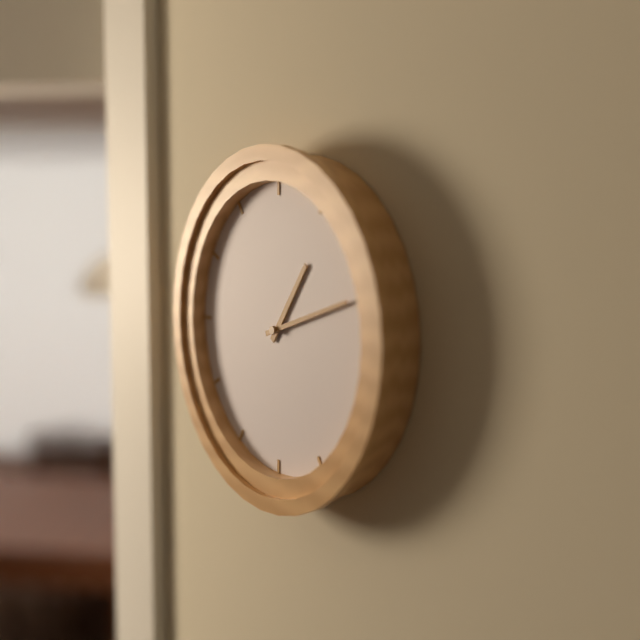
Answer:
1h12
